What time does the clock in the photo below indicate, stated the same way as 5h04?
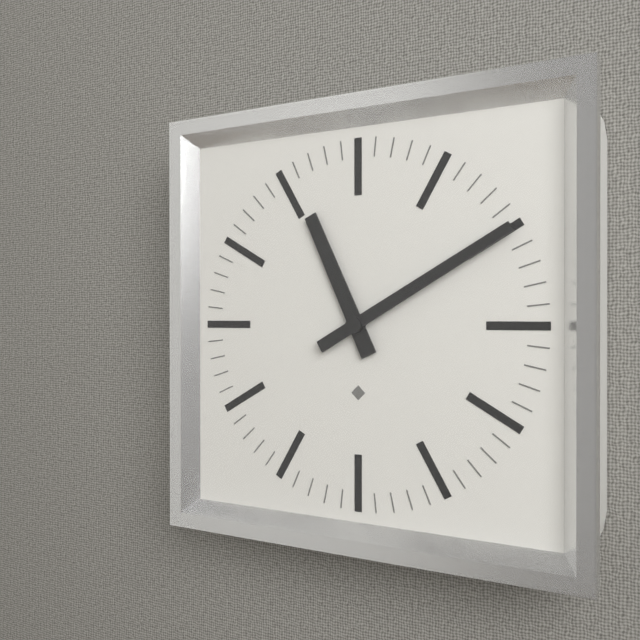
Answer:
11h10
